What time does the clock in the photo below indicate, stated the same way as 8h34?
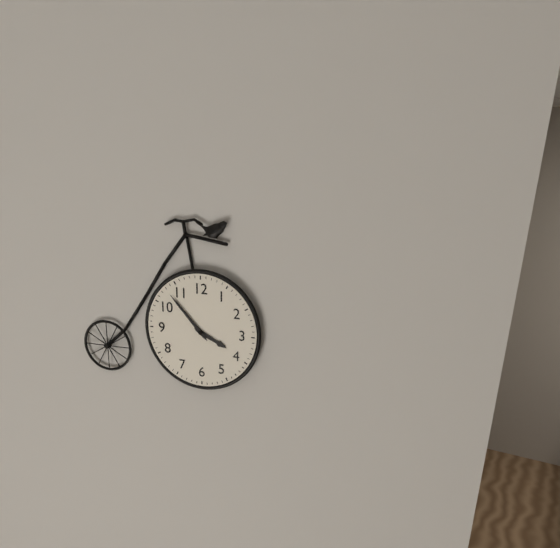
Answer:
3h53
